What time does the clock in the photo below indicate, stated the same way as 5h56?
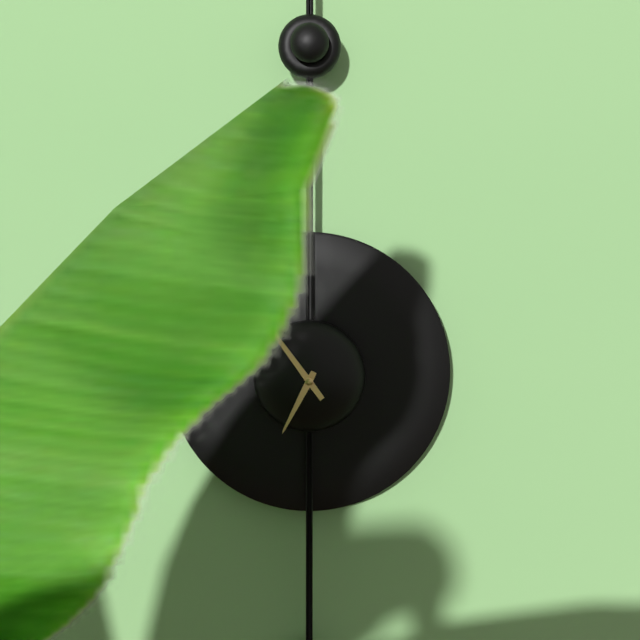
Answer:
6h54
